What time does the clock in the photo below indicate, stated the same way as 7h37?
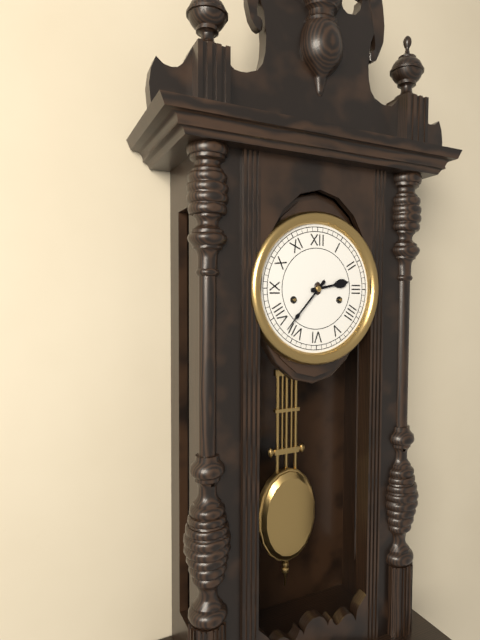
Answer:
2h37
